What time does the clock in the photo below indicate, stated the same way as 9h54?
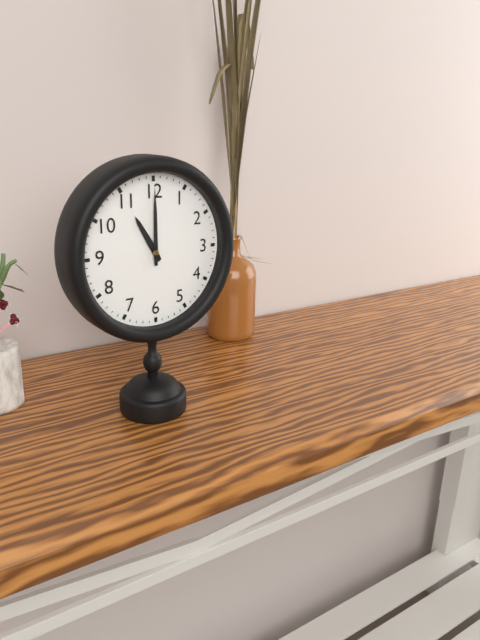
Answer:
11h00
